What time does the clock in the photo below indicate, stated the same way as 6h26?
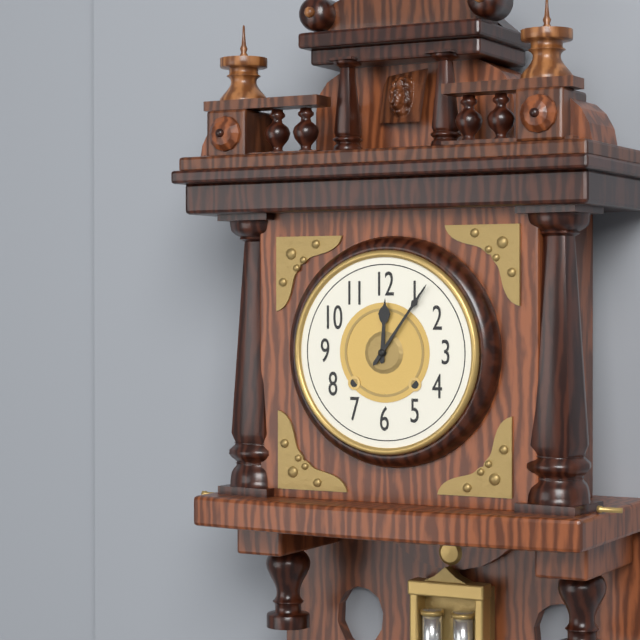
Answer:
12h06
